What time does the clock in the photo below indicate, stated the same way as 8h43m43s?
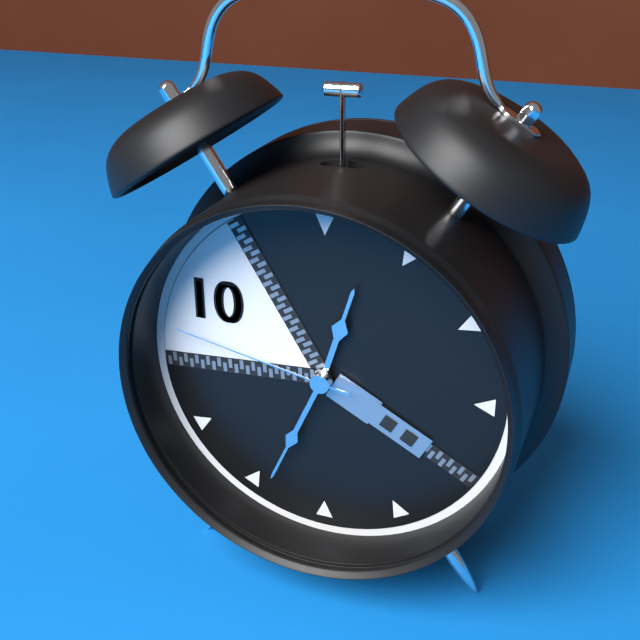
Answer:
12h34m47s
